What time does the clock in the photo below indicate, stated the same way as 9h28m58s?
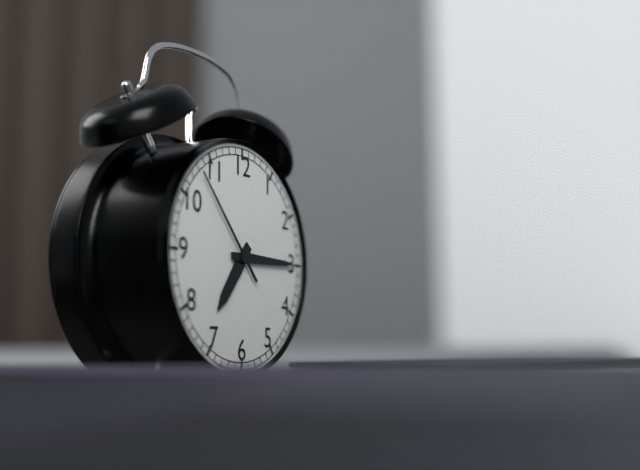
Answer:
7h15m53s
